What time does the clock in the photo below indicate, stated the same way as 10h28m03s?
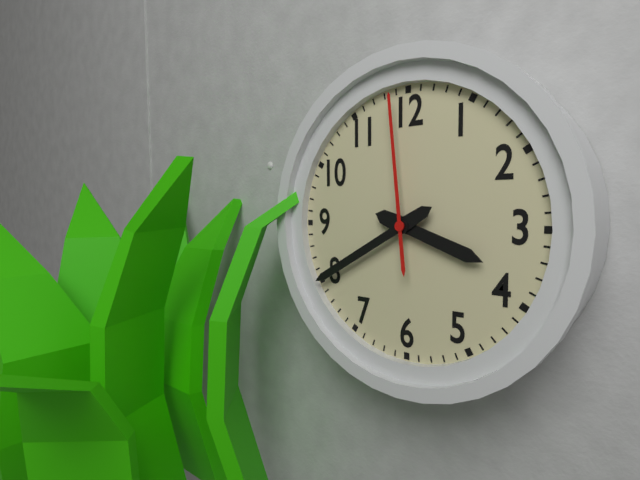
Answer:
3h40m59s
